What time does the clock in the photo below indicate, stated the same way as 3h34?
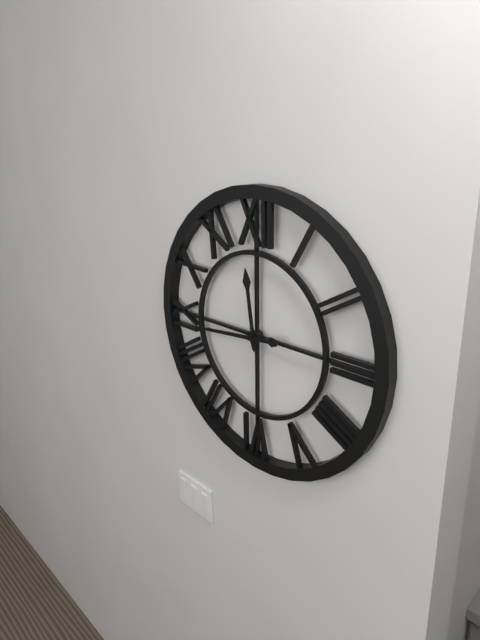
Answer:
11h44
